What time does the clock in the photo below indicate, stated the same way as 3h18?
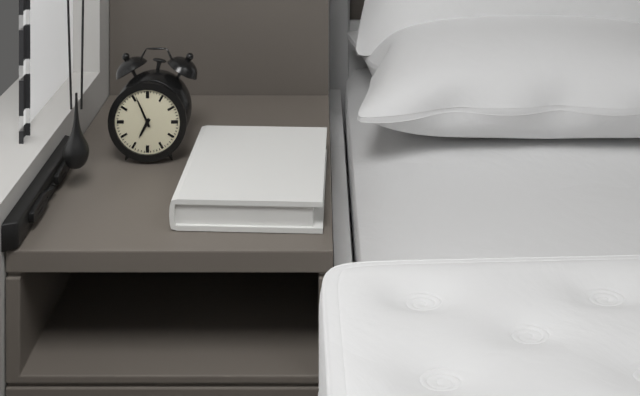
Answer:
6h56
